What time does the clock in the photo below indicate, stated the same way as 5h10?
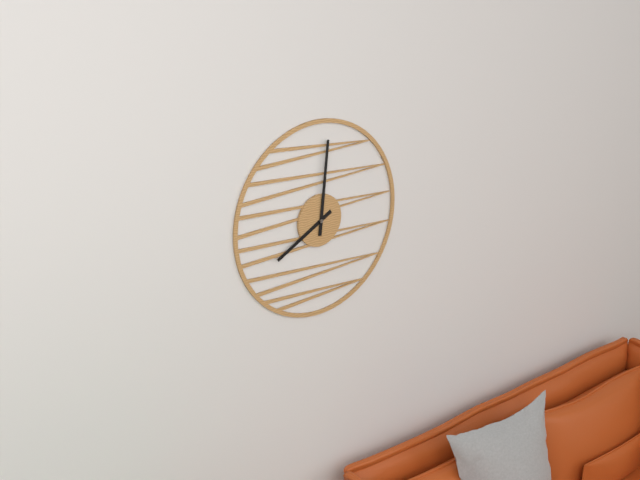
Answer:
8h01
